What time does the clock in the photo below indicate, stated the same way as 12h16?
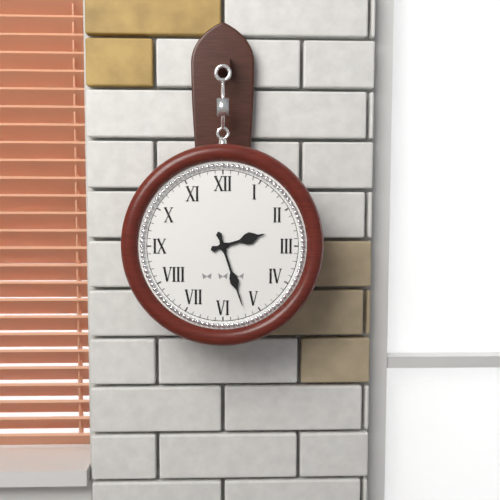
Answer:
2h27
